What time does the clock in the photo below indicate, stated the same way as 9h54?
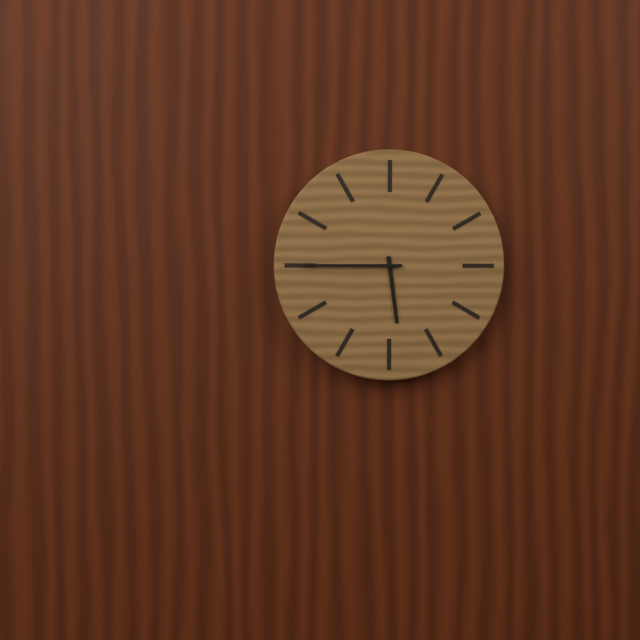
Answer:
5h45
